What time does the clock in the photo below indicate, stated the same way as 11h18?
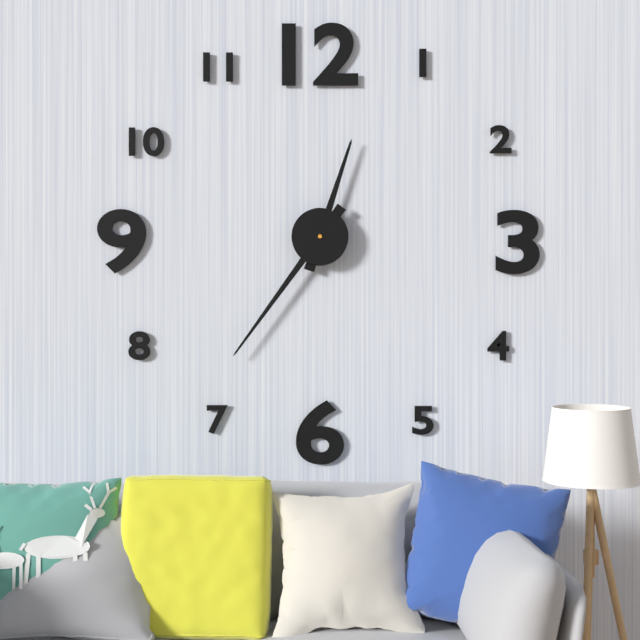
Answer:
12h36
